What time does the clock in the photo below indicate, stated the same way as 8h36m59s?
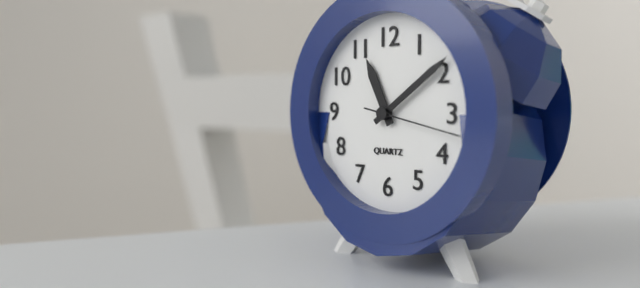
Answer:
11h09m17s
